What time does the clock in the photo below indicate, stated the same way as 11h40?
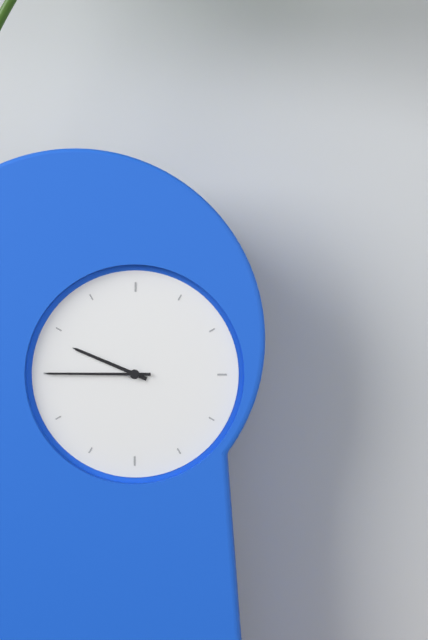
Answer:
9h45
